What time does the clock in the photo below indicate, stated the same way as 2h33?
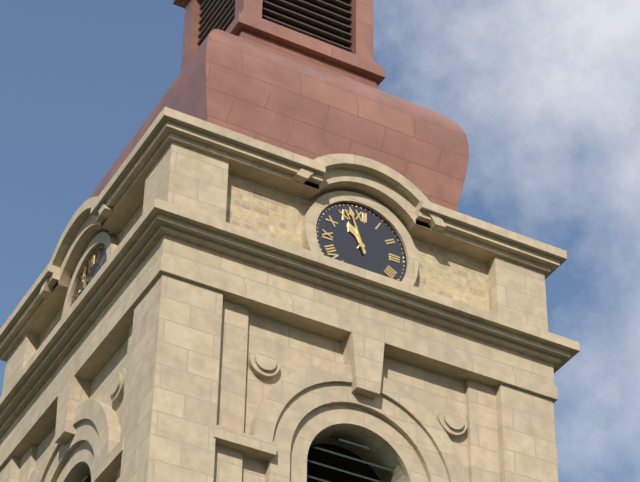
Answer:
10h57
